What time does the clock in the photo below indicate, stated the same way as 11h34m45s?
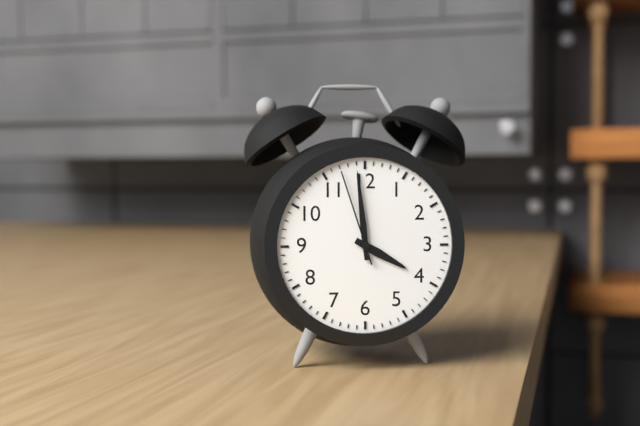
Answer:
3h59m57s
